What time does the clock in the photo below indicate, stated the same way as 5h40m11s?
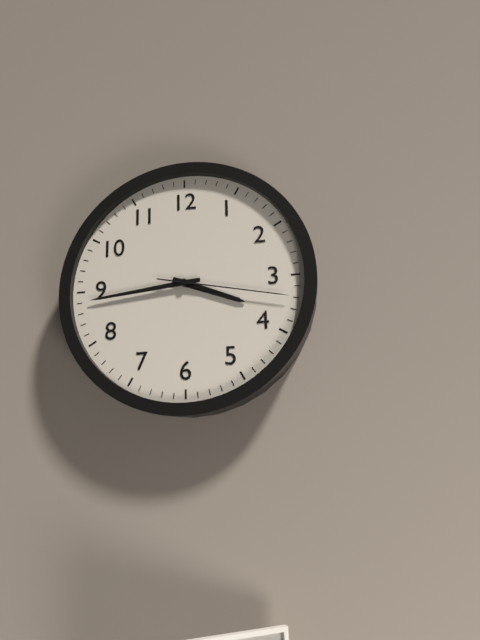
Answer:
3h44m17s
